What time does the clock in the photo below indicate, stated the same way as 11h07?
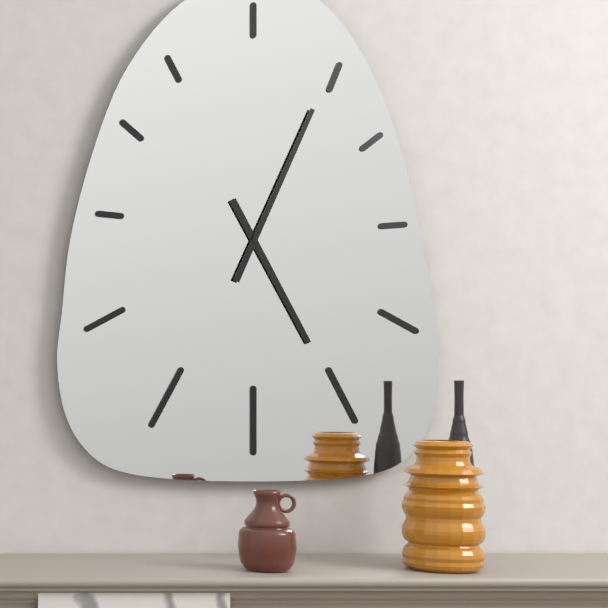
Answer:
5h04
